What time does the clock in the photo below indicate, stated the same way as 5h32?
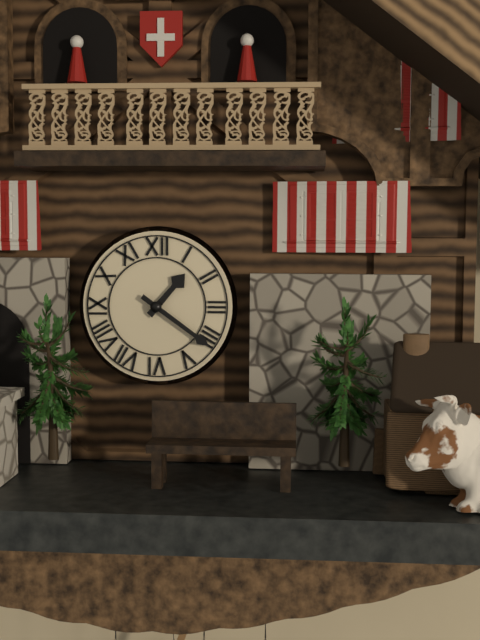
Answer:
1h21
